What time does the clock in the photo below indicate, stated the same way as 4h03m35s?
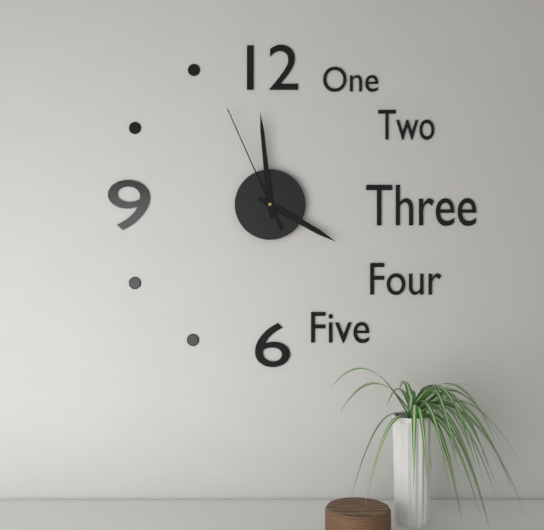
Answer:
3h59m56s
